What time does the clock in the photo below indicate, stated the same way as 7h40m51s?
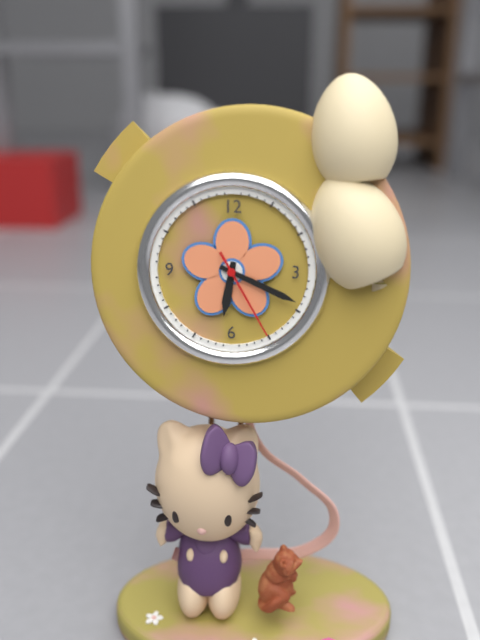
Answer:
6h19m25s
